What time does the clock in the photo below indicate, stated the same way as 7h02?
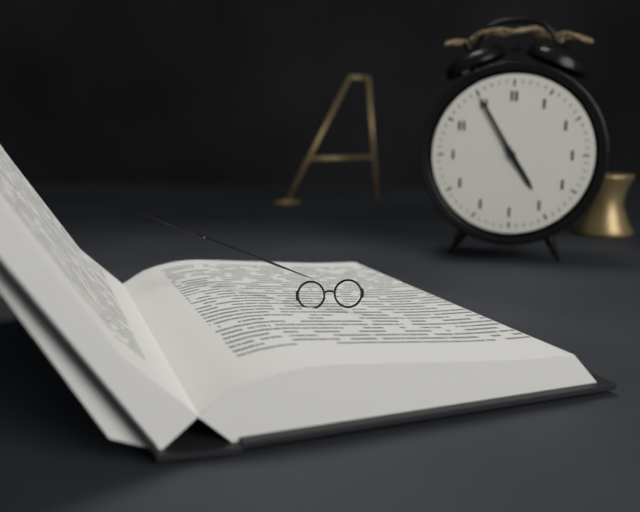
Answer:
4h55
